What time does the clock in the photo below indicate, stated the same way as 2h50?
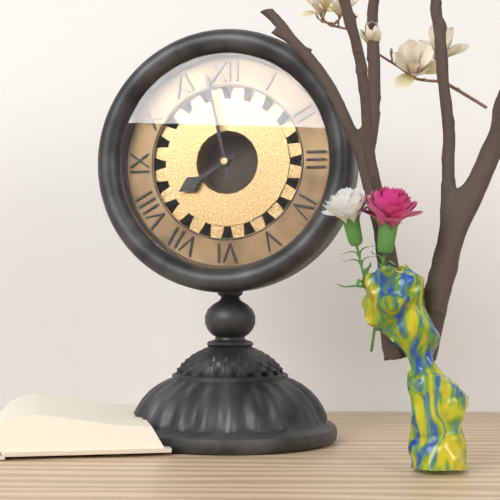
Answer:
7h58
